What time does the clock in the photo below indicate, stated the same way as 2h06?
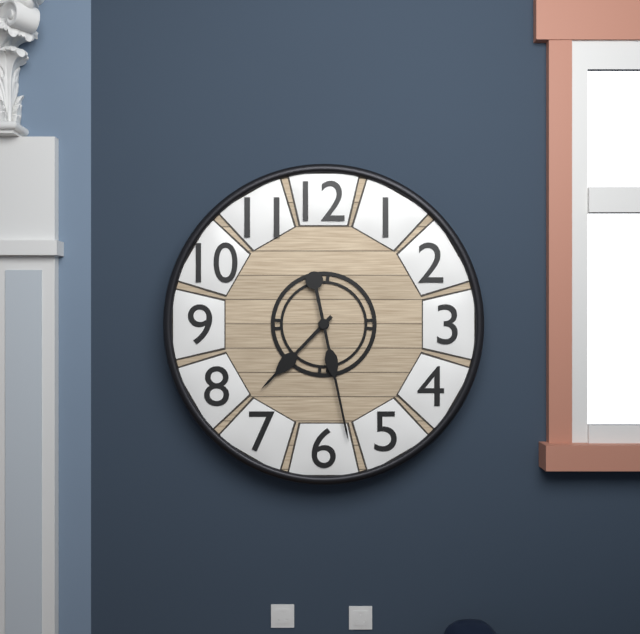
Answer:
7h28
